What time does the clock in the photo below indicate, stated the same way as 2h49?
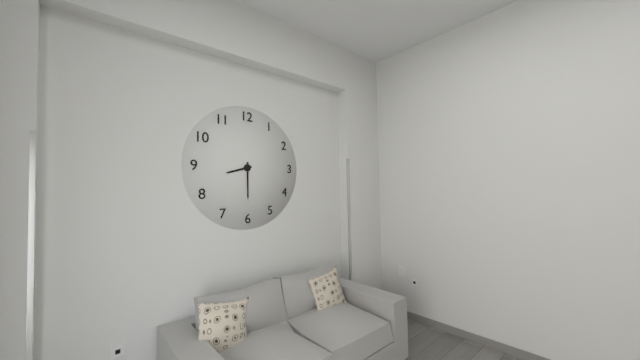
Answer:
8h30
